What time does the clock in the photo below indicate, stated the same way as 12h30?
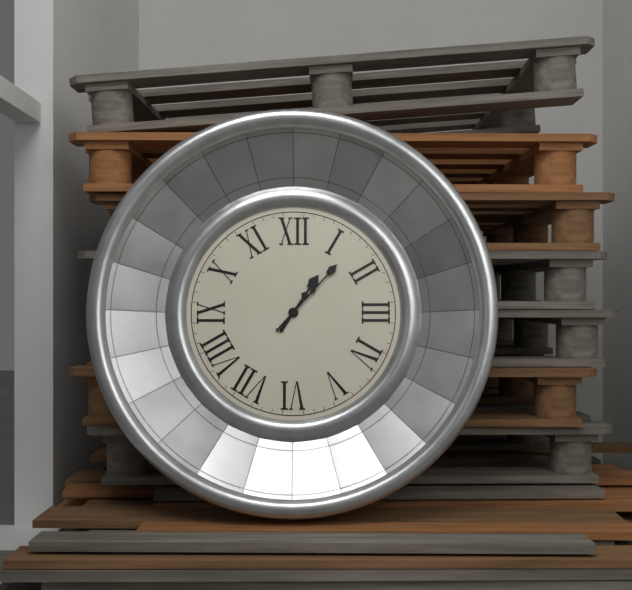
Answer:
1h07
